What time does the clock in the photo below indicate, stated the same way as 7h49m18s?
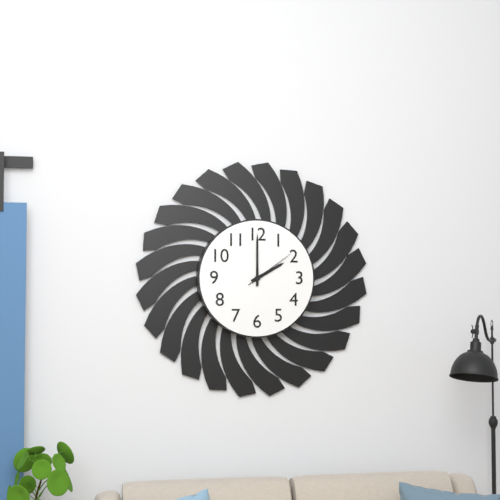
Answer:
2h00m09s
